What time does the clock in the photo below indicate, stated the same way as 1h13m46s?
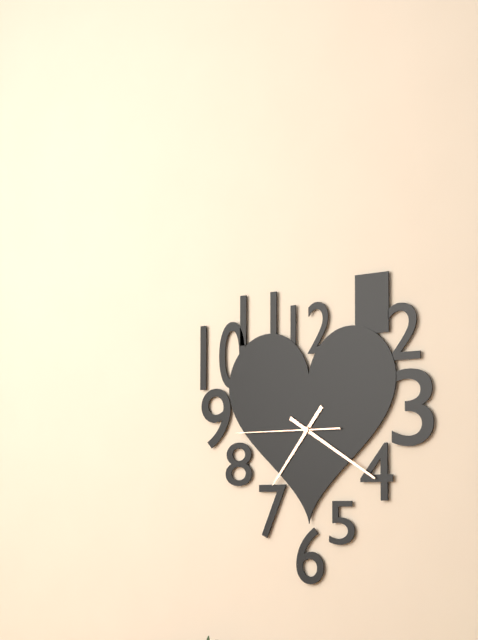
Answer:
7h20m45s
